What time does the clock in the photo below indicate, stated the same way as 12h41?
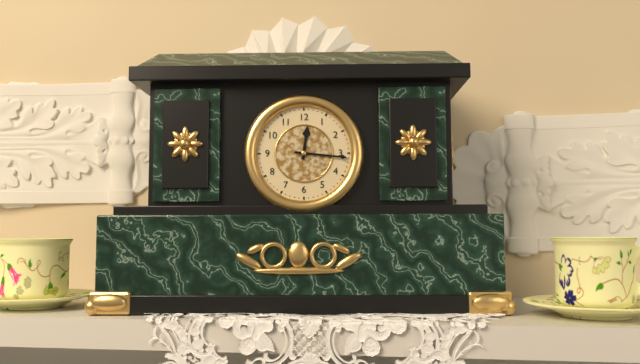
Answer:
12h16
